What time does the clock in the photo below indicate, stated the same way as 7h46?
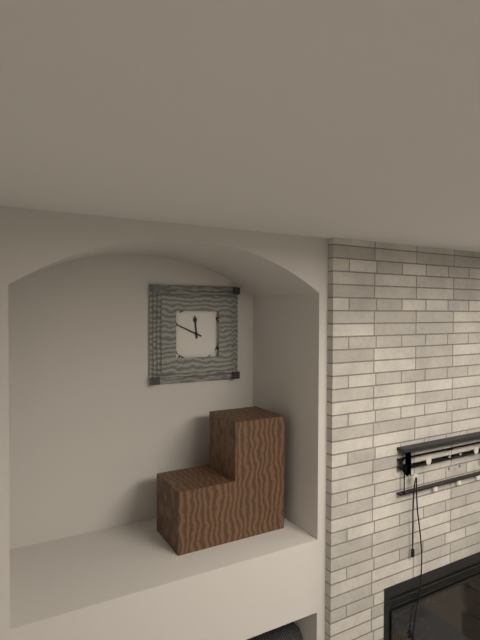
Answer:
11h49
